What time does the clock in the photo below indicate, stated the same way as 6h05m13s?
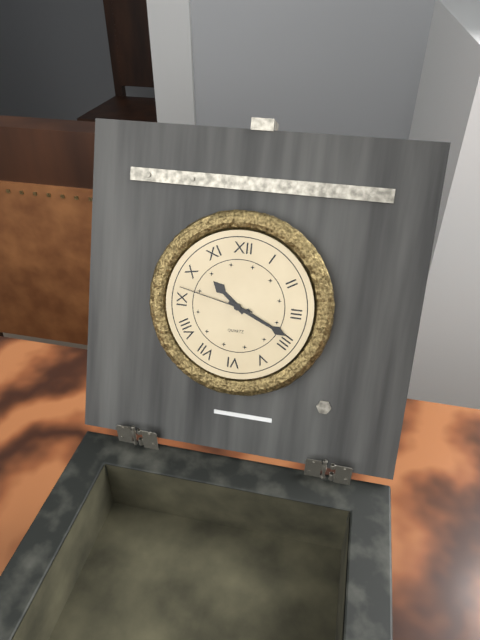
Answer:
10h19m47s
